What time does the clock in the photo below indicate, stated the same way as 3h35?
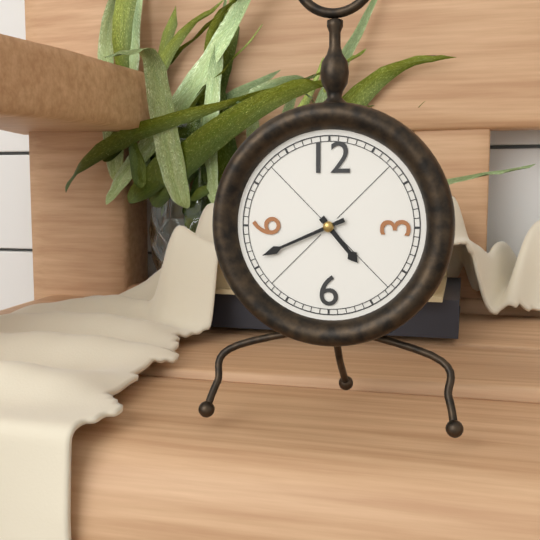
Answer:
4h41
